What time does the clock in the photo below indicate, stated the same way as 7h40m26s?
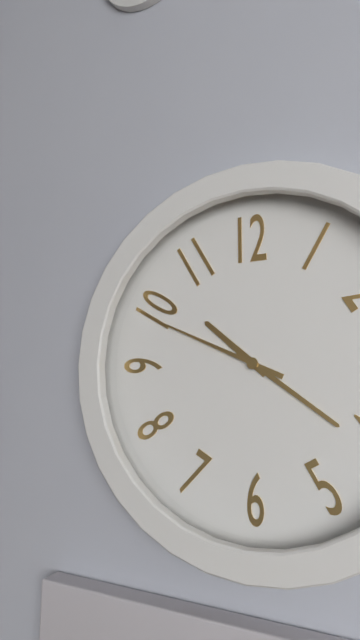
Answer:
10h21m49s
